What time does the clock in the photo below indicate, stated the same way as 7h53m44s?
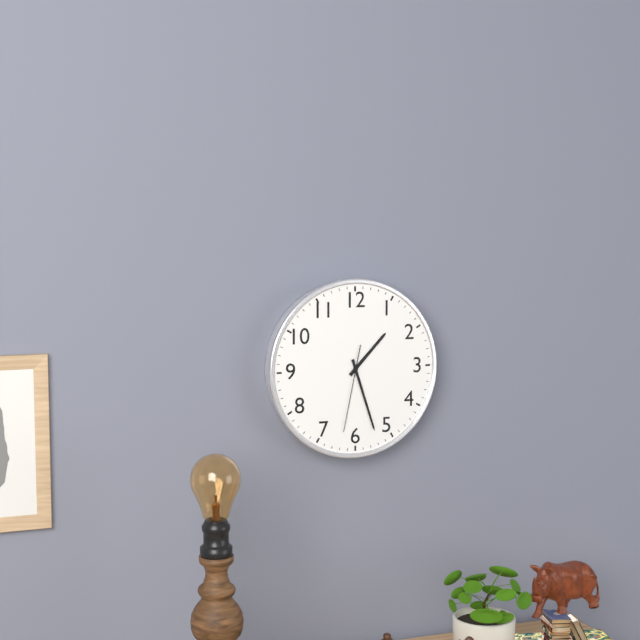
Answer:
1h27m32s
